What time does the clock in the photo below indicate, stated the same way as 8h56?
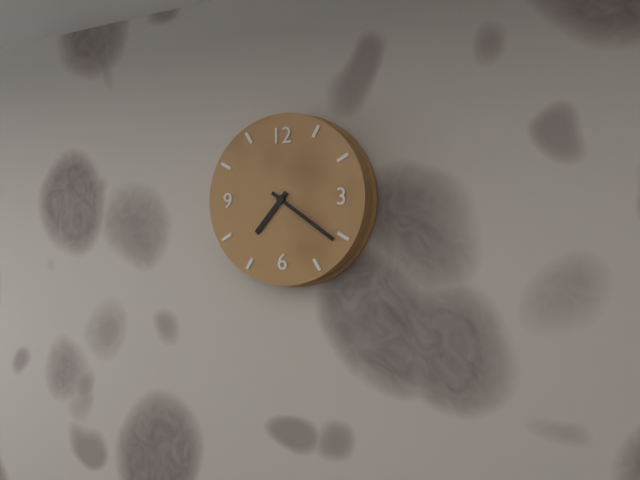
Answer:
7h21
